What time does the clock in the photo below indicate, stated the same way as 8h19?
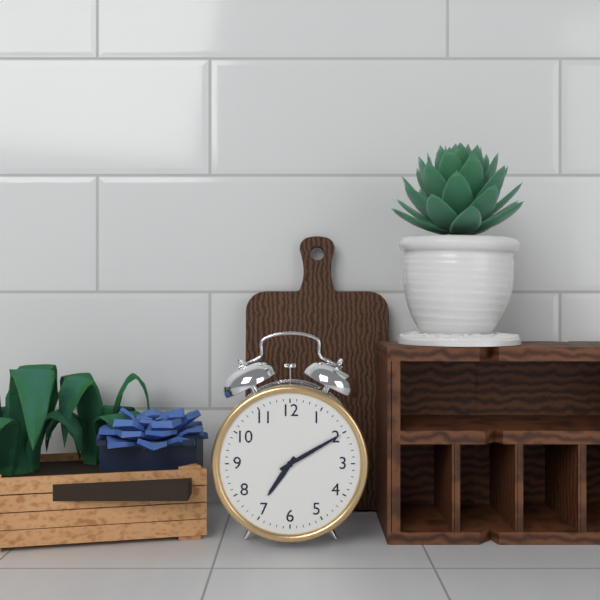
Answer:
7h10
